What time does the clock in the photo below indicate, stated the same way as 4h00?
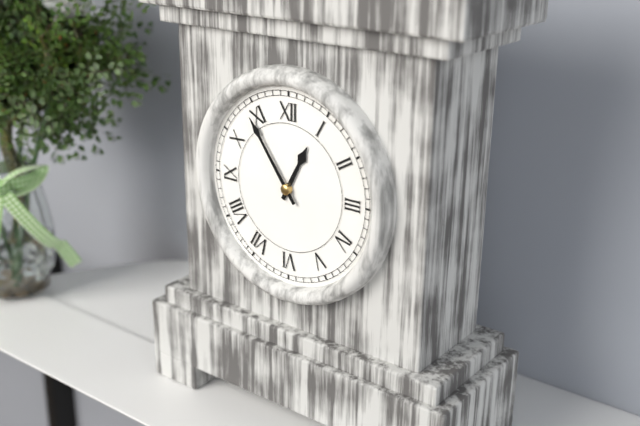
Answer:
12h54
